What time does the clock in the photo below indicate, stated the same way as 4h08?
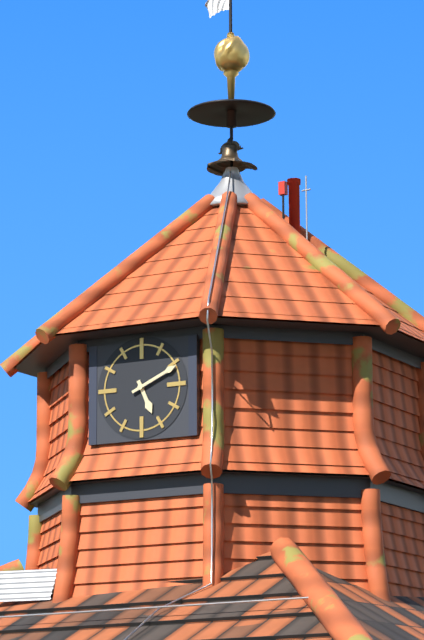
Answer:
5h11
